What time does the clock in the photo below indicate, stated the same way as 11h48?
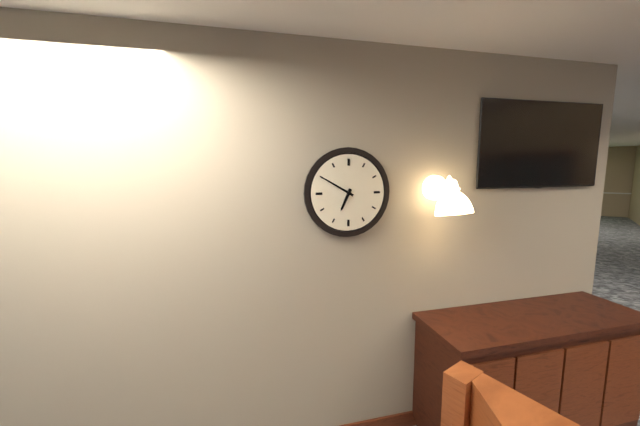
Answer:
6h50
